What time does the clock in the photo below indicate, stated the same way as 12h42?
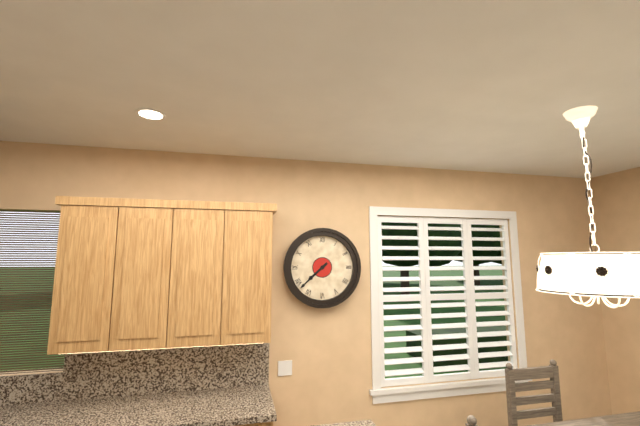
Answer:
7h38
